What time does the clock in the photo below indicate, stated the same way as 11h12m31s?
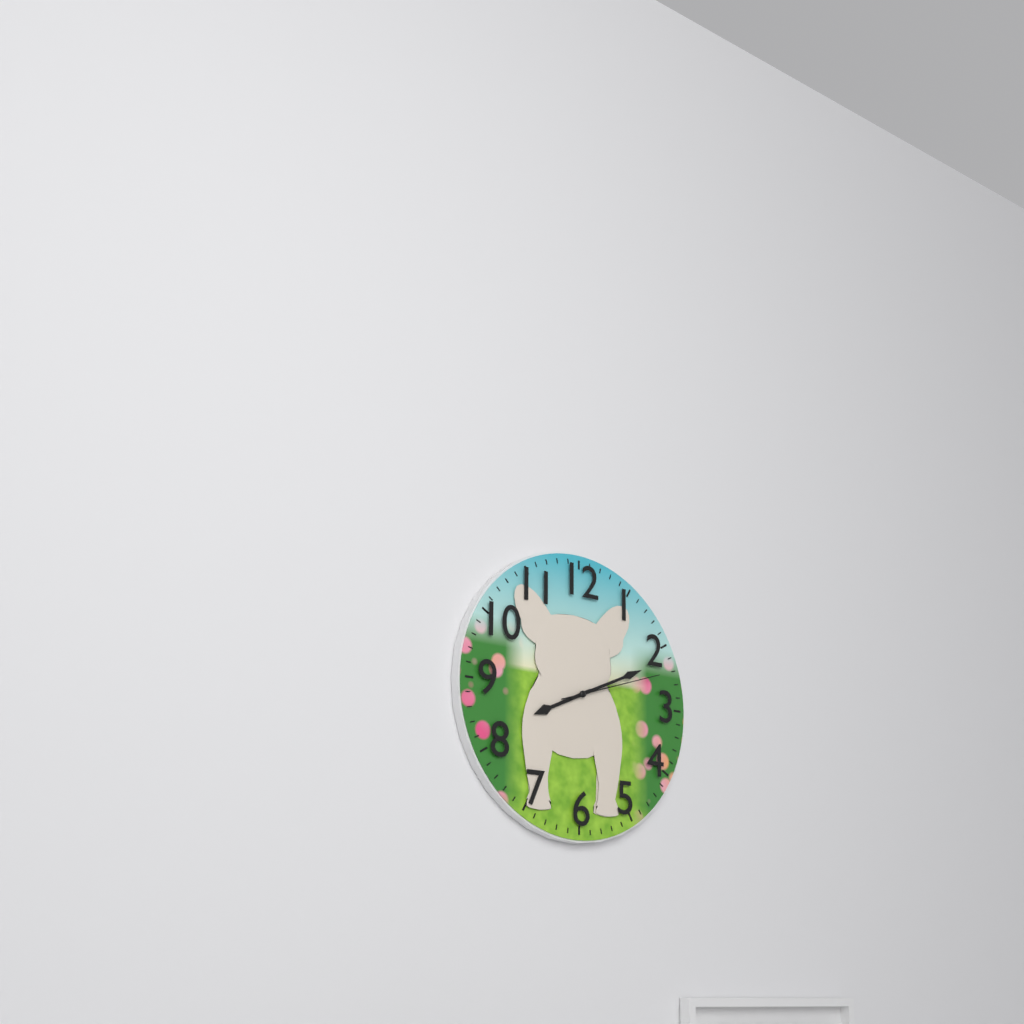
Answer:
8h11m12s
